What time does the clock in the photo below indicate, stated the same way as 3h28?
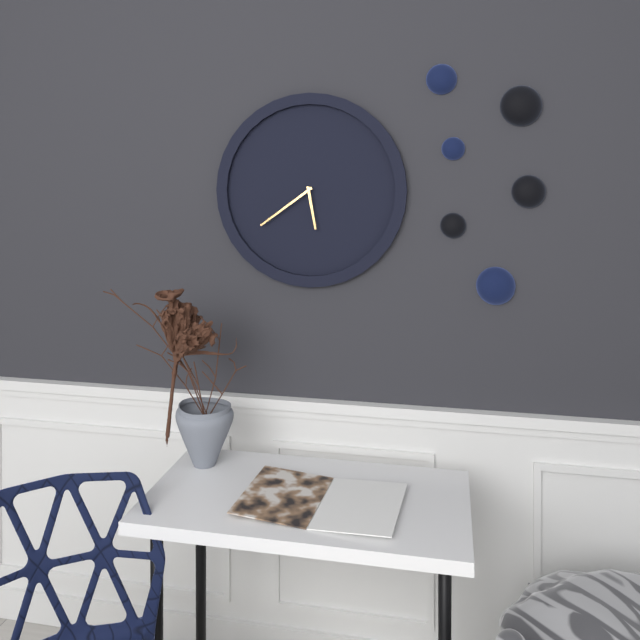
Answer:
5h39
